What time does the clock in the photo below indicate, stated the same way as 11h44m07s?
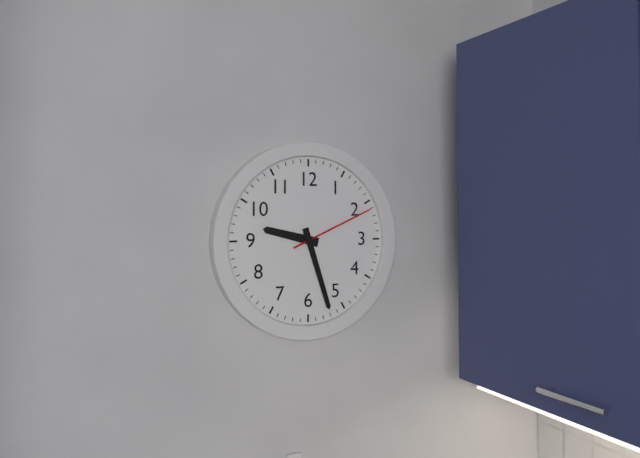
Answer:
9h27m11s
